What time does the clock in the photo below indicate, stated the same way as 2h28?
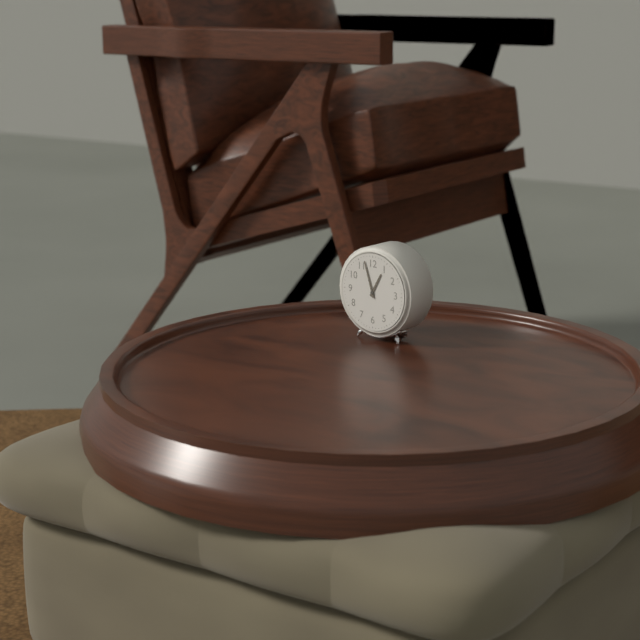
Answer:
12h57
